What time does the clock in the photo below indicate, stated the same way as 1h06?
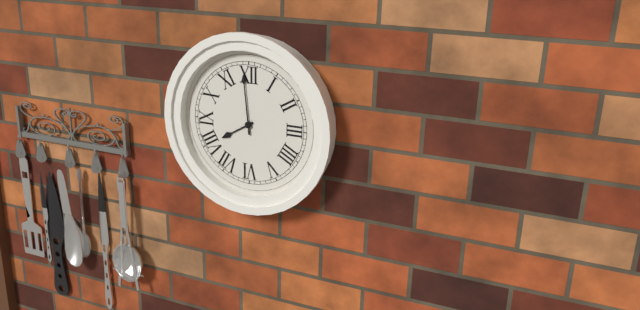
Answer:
7h59
